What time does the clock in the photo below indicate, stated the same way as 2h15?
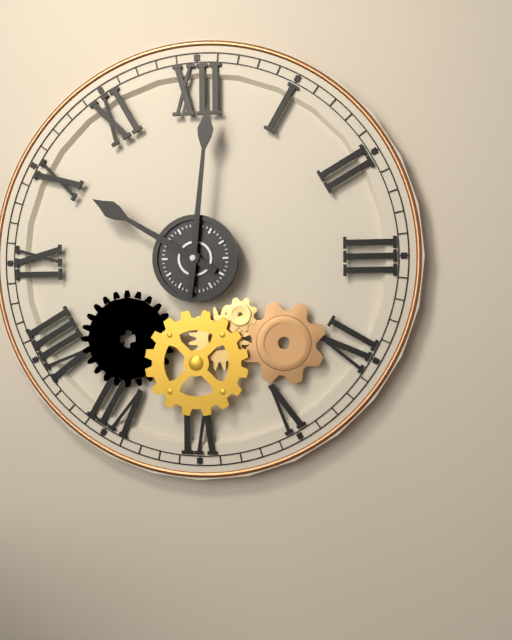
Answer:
10h01
